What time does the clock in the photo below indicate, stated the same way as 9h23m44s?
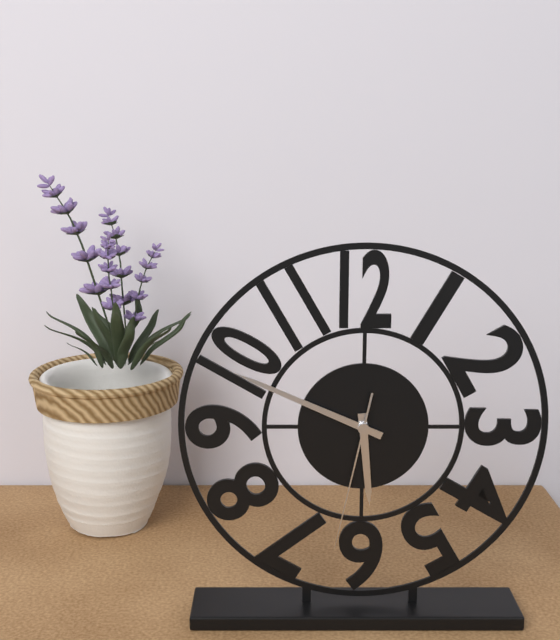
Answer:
5h49m32s
